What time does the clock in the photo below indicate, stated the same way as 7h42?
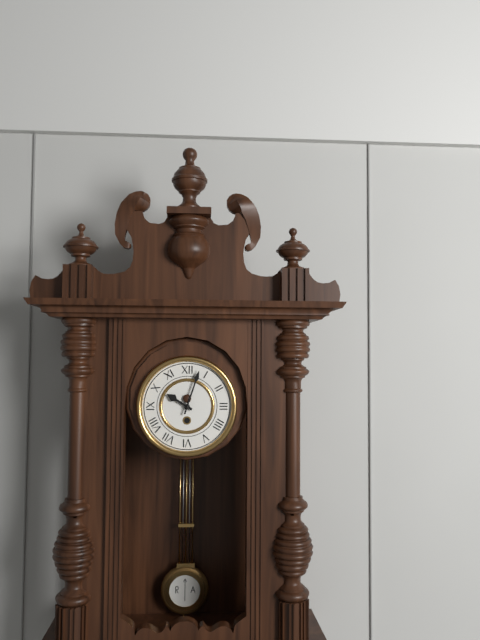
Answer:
10h03
